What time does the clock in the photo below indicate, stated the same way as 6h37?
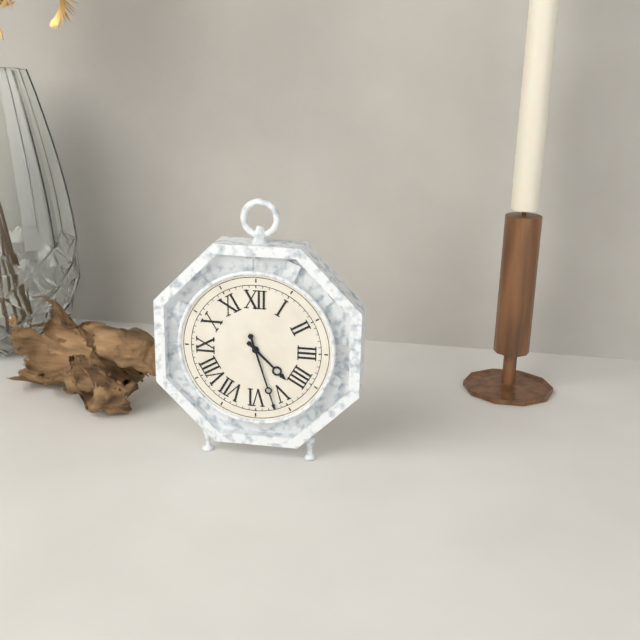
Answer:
4h27
